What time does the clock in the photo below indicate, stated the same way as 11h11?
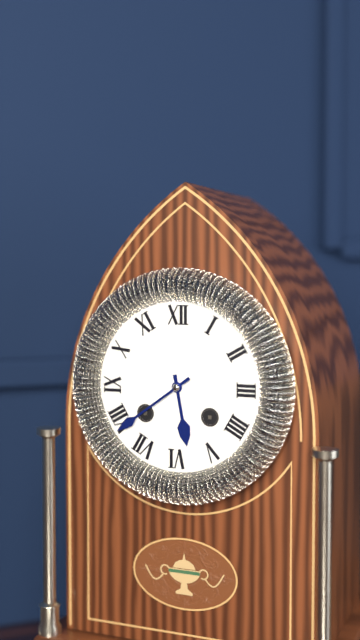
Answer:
5h39
